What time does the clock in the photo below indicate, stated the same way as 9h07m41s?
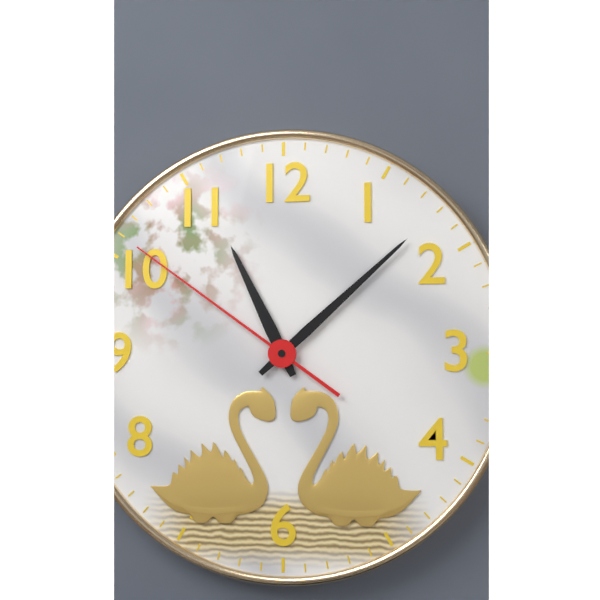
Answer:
11h08m51s
